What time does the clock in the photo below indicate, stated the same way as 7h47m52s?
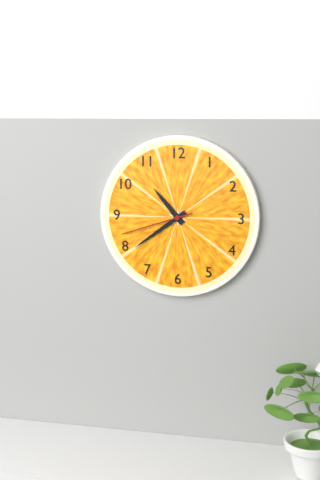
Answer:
10h39m42s
